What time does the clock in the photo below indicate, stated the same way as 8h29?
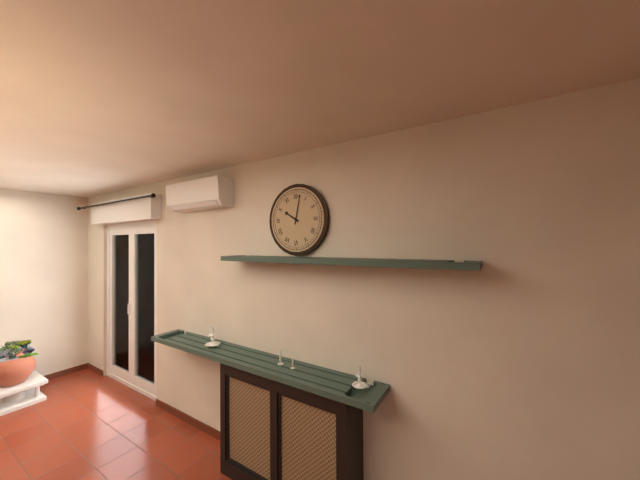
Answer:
10h02
